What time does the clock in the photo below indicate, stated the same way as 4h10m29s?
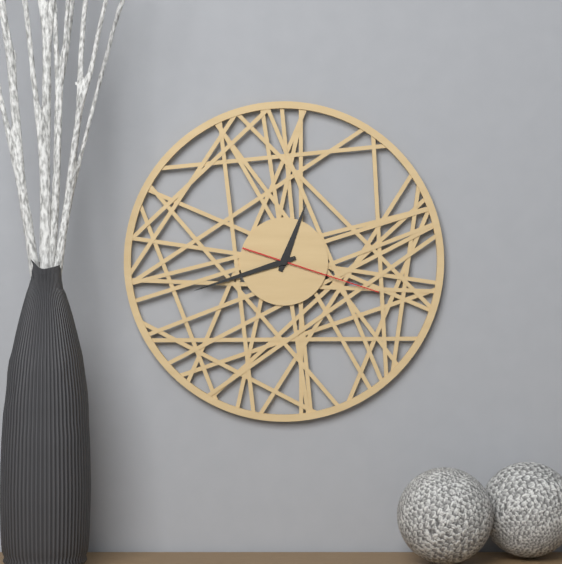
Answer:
12h42m18s
